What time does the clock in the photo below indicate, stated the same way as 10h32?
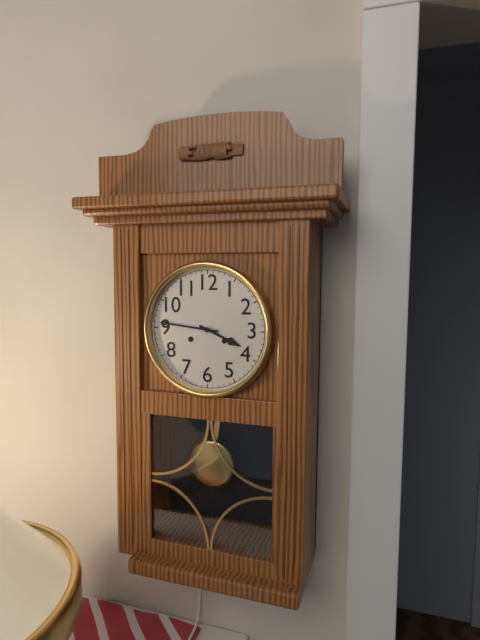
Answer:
3h46
